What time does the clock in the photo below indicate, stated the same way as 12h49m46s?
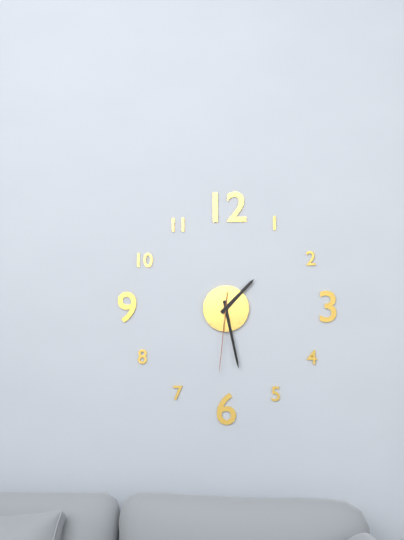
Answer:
1h28m31s
